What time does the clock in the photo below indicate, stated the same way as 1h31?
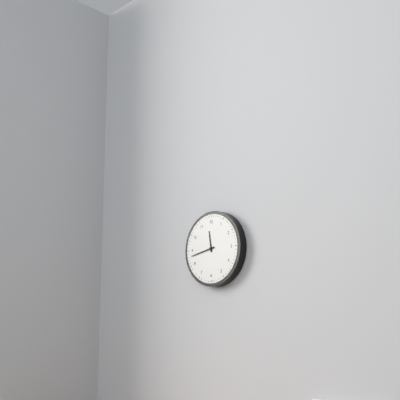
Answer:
11h43
